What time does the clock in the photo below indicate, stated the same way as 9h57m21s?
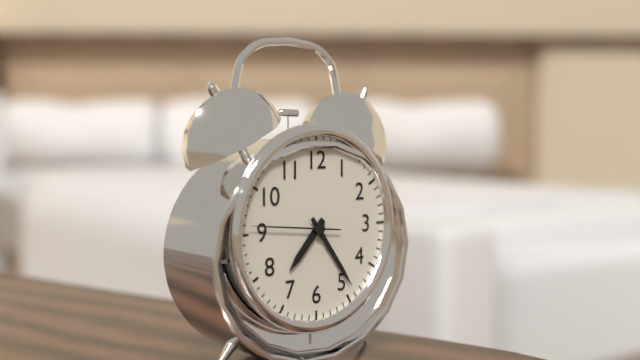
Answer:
7h24m46s
